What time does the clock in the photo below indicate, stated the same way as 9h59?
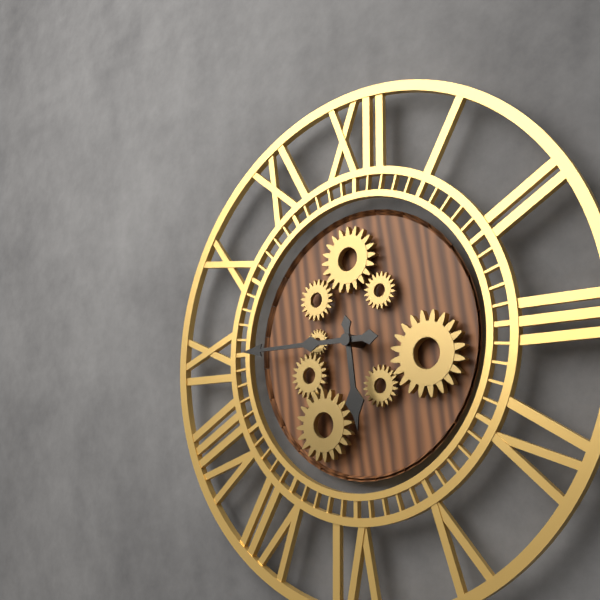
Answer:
5h45
